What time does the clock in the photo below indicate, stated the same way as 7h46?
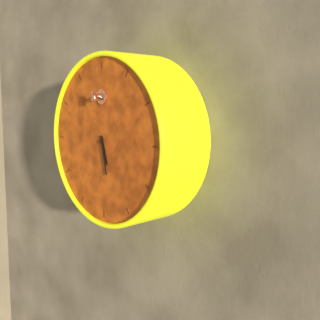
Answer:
5h28
